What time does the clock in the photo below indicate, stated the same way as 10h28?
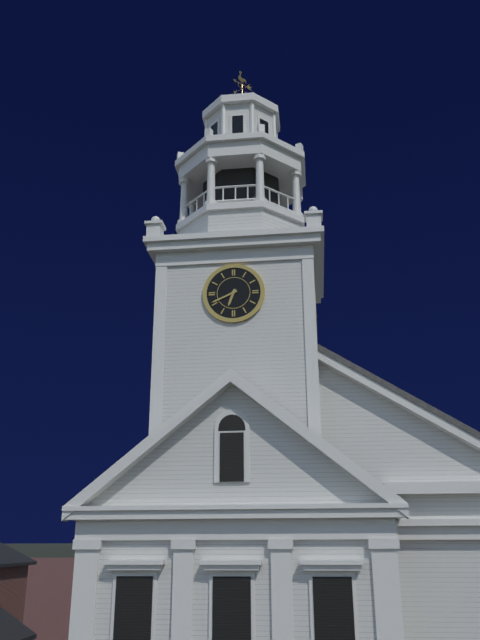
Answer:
6h41
